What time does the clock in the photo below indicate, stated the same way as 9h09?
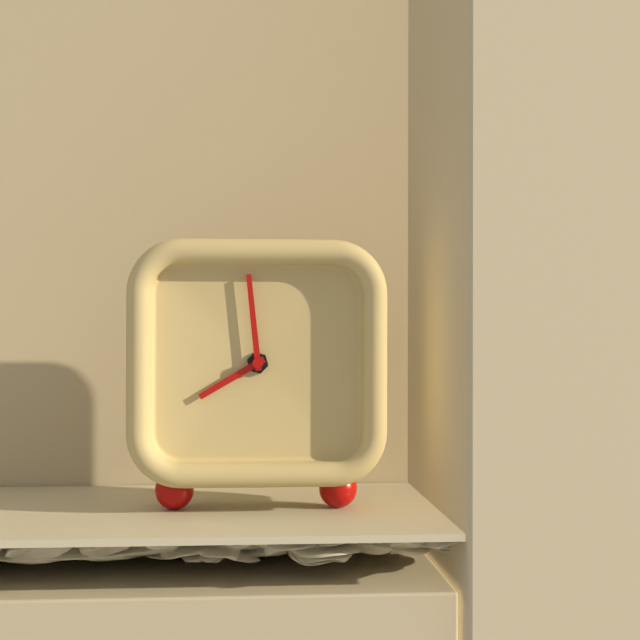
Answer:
7h59
